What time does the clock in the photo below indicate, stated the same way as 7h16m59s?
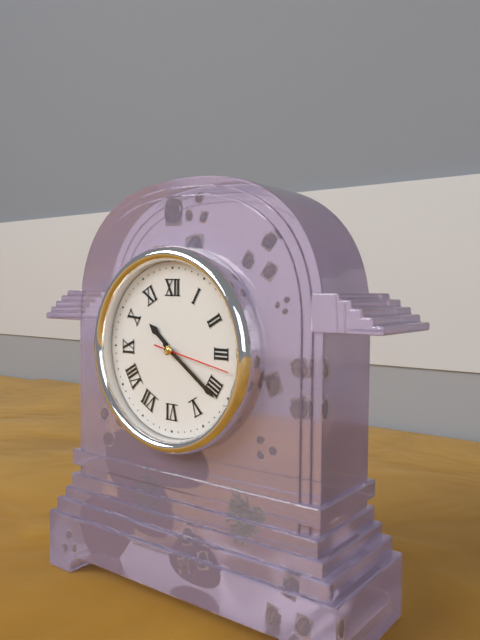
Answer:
10h21m17s
